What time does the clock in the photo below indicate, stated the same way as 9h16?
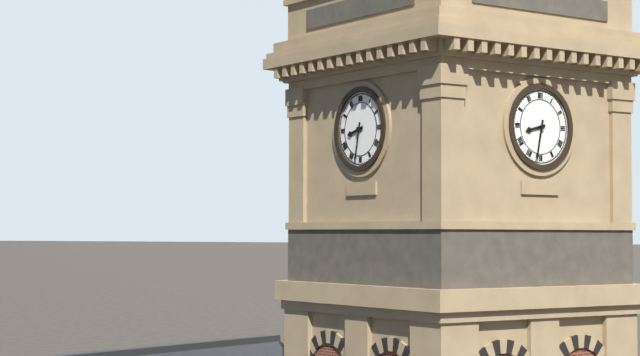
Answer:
8h32
